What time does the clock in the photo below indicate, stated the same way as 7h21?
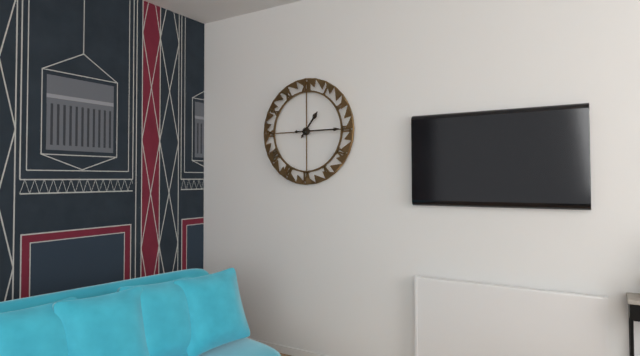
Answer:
1h15
